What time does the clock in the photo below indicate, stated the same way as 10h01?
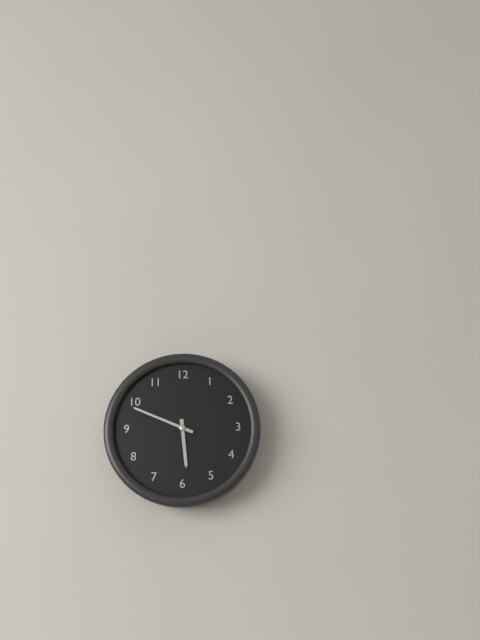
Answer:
5h49
